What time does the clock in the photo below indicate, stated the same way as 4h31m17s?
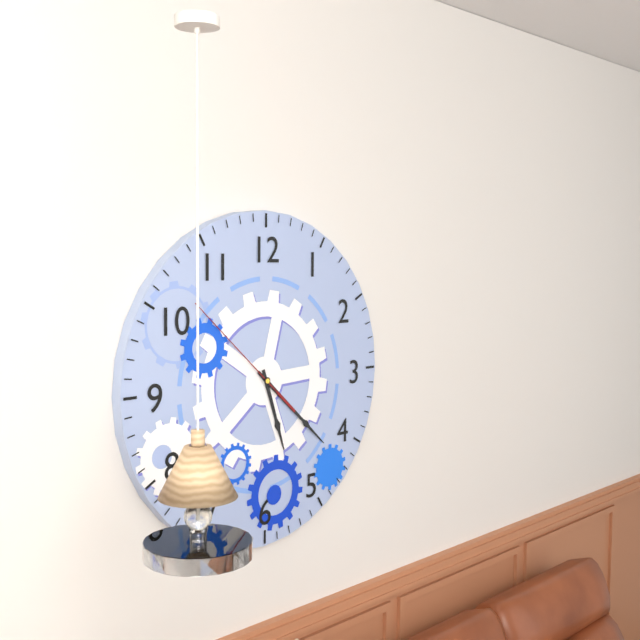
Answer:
5h22m52s
